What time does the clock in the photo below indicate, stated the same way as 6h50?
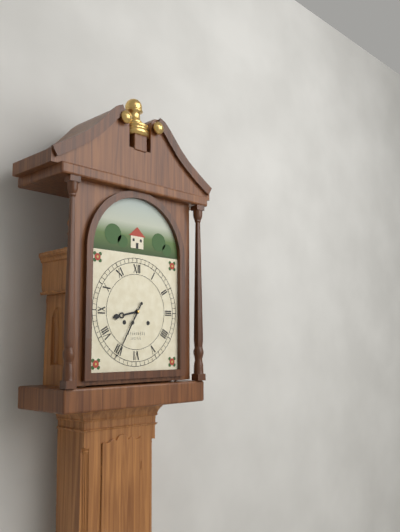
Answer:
8h35
